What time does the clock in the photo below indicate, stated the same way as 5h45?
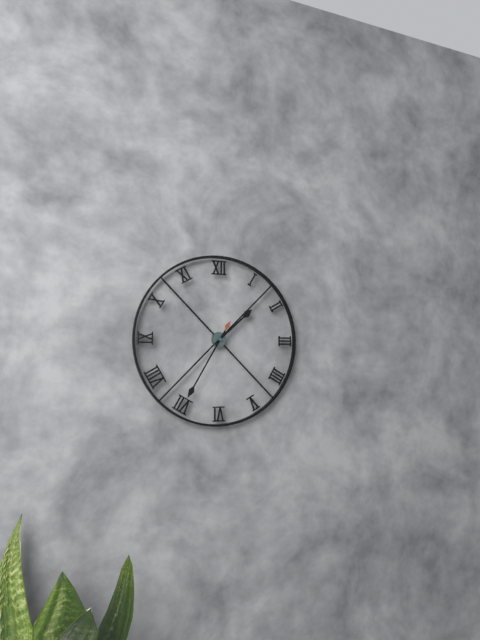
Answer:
1h35
